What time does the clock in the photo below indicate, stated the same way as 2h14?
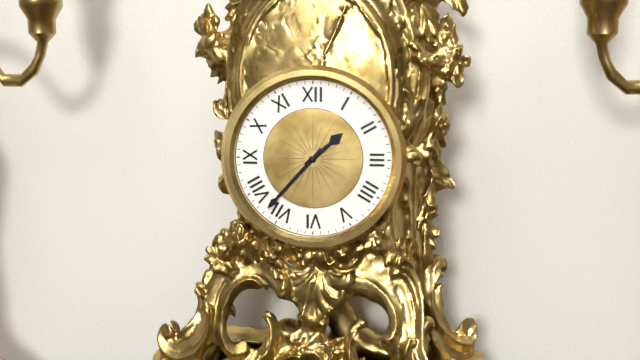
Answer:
1h37
